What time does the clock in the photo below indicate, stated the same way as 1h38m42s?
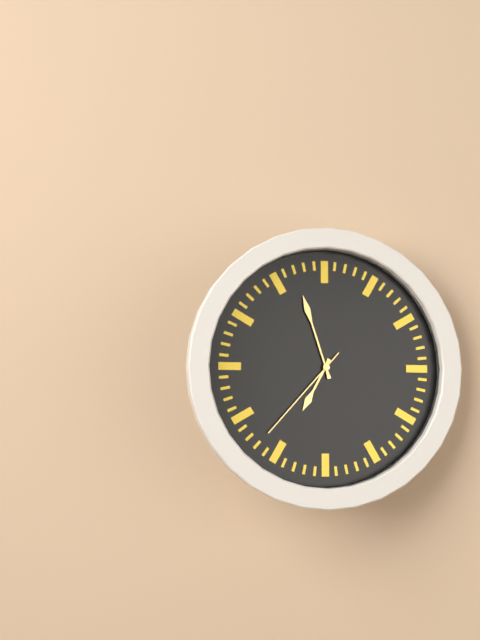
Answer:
6h57m37s
